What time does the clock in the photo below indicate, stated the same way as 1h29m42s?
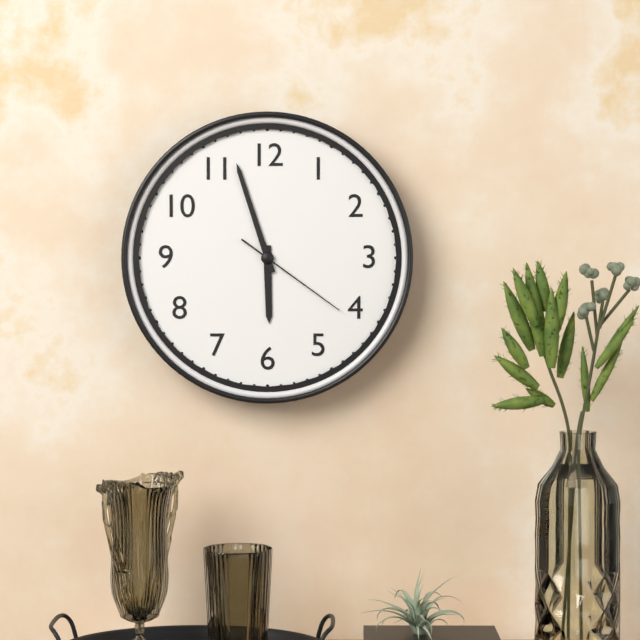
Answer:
5h57m21s
